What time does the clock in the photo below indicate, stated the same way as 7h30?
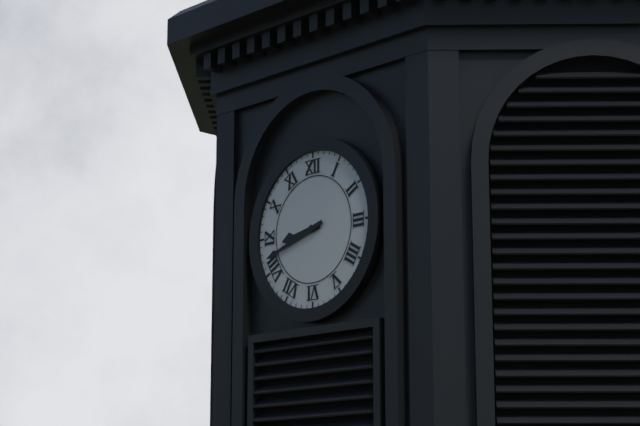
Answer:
8h42
